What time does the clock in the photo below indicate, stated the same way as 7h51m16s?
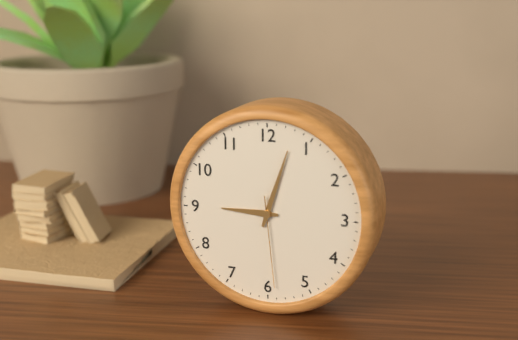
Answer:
9h03m29s
